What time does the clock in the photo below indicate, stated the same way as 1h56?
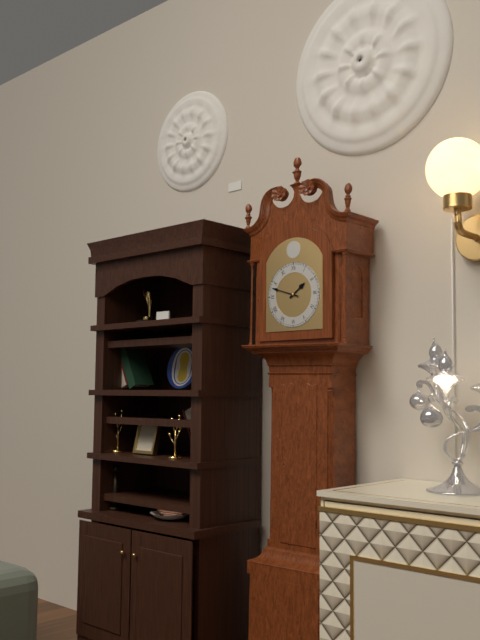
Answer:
1h48
